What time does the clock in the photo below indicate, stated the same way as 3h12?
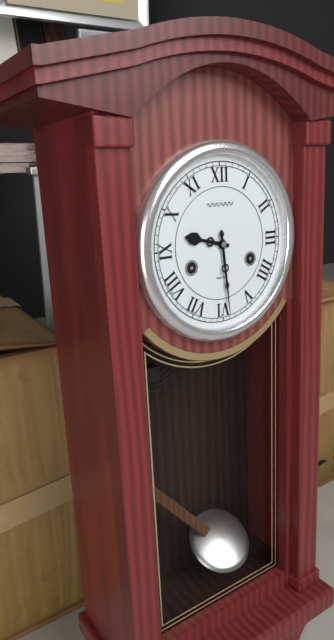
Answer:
9h29
